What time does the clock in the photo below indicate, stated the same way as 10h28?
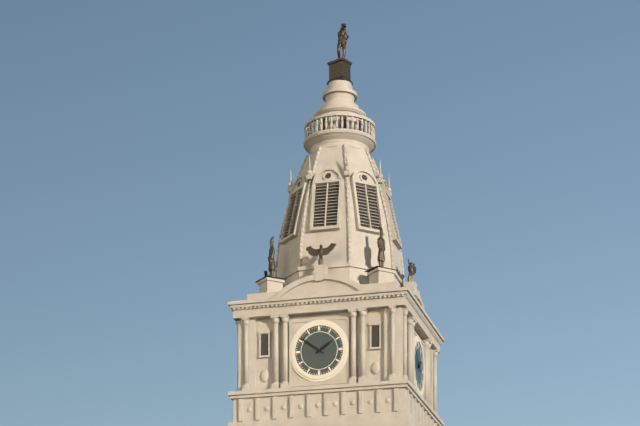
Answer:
1h51
